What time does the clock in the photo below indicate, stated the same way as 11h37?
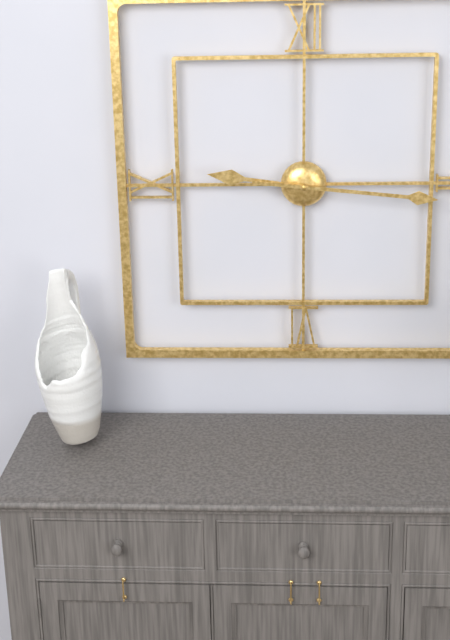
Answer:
9h16
